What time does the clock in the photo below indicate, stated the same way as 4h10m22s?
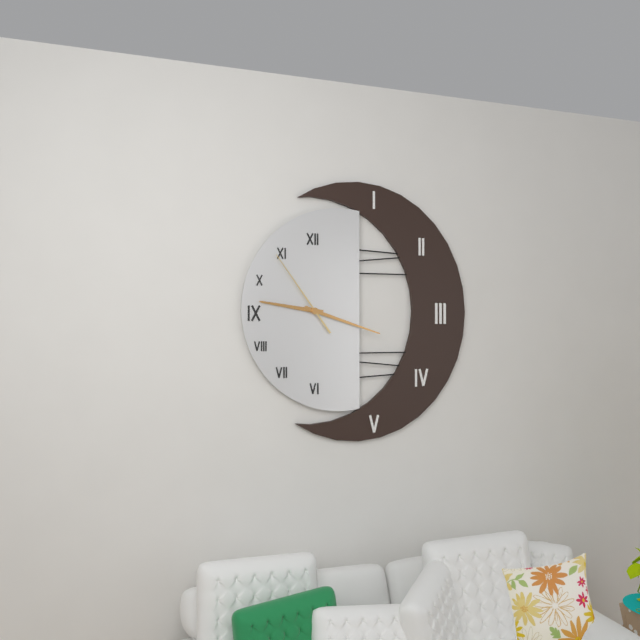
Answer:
9h18m54s
